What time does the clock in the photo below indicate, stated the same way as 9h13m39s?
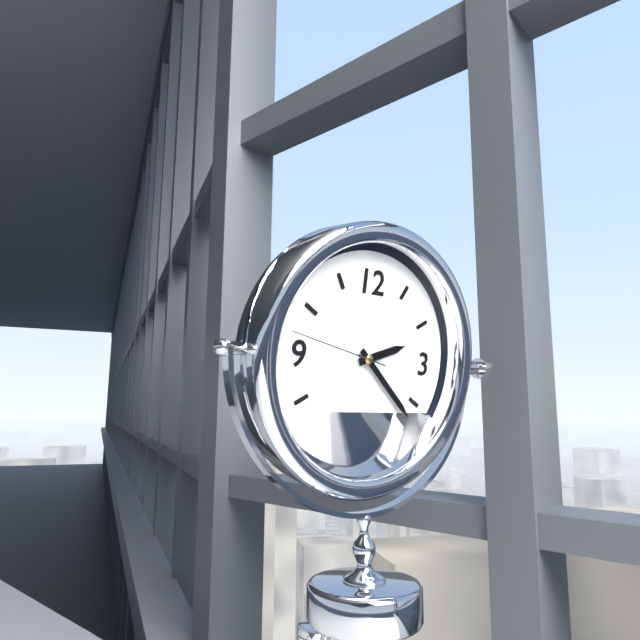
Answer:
2h22m47s
